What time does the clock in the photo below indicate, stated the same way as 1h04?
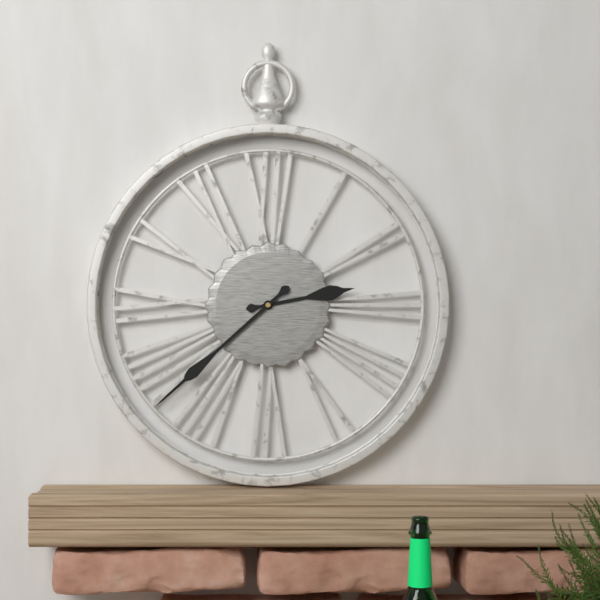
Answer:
2h38
